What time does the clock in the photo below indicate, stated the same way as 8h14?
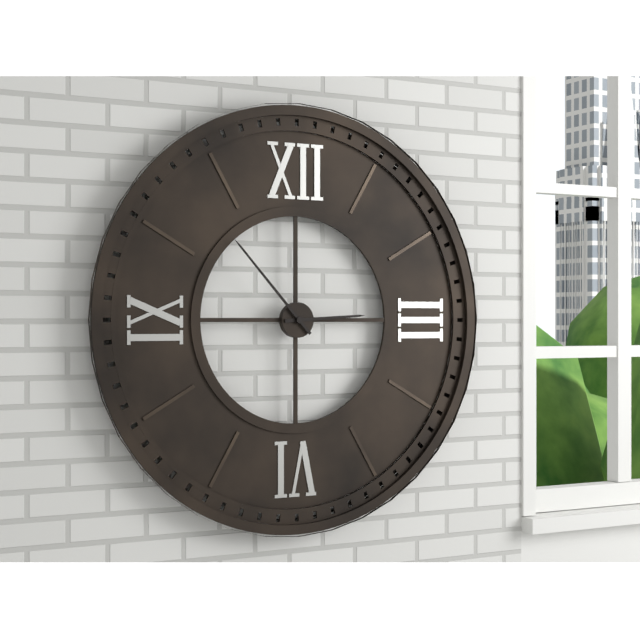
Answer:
2h53
